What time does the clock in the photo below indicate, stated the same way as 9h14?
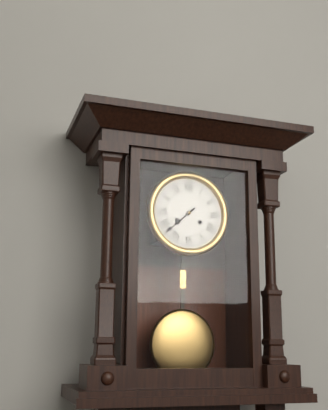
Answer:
7h38
